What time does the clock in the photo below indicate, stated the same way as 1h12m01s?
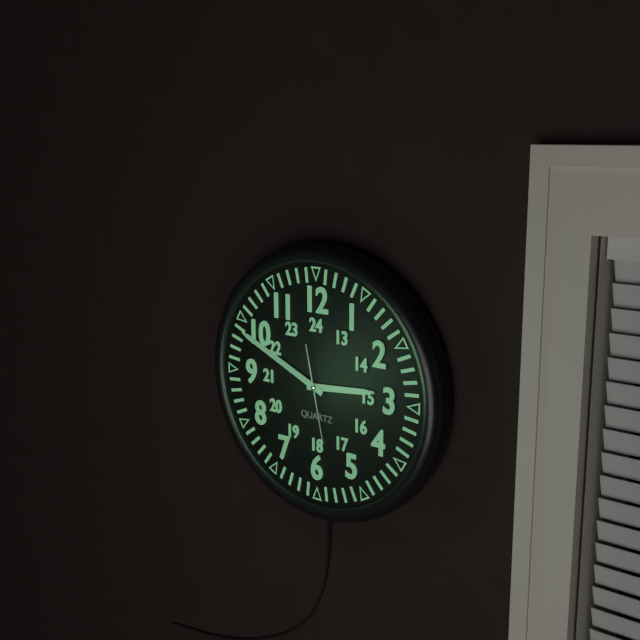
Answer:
2h49m28s
